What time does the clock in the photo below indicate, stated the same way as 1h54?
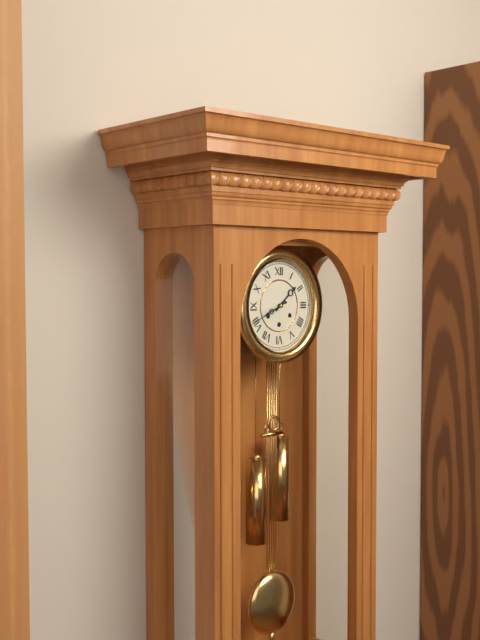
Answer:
1h41
